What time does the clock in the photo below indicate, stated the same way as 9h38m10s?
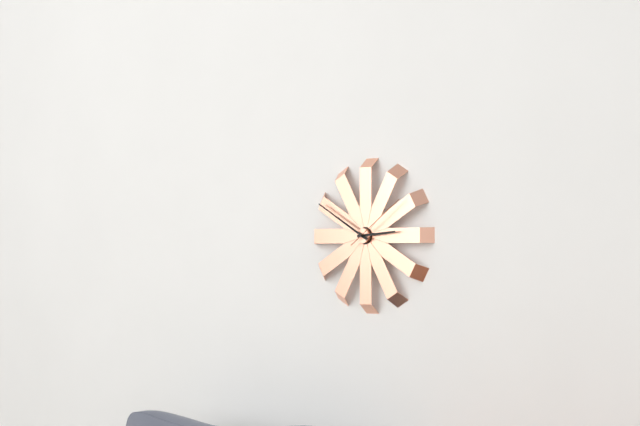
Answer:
2h50m09s
